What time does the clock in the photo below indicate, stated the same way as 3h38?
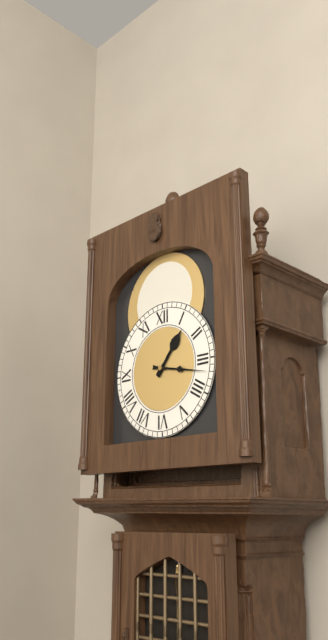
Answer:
1h17
